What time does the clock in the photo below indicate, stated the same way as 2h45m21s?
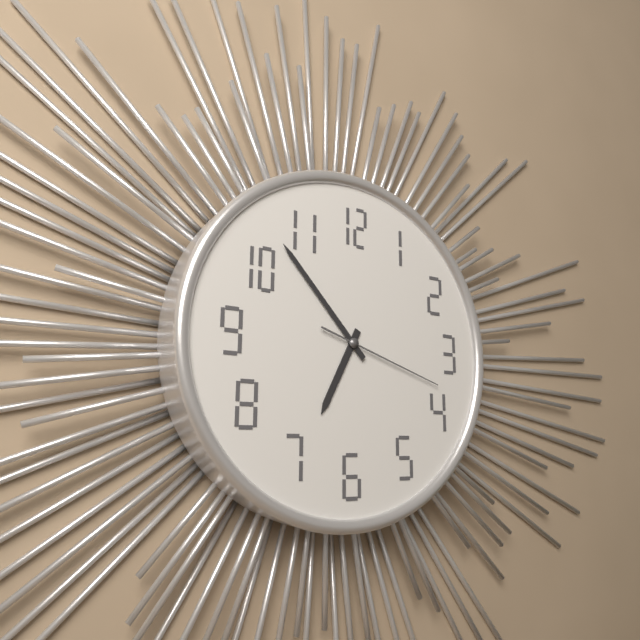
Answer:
6h53m18s
